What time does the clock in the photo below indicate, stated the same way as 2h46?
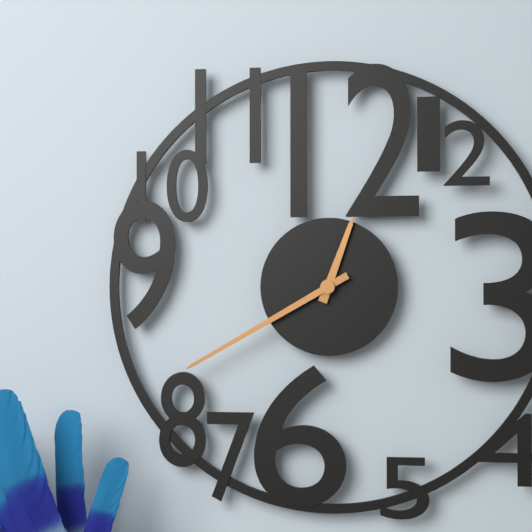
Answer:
12h40
